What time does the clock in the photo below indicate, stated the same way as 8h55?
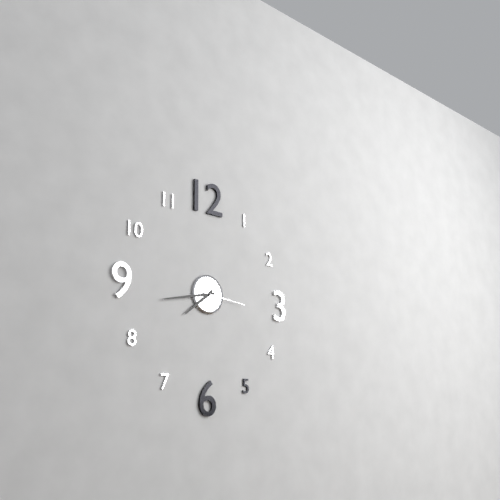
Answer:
7h43
